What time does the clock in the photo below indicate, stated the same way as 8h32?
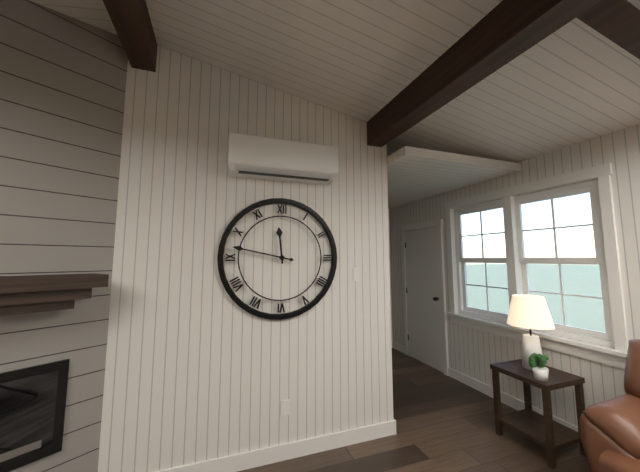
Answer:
11h47
